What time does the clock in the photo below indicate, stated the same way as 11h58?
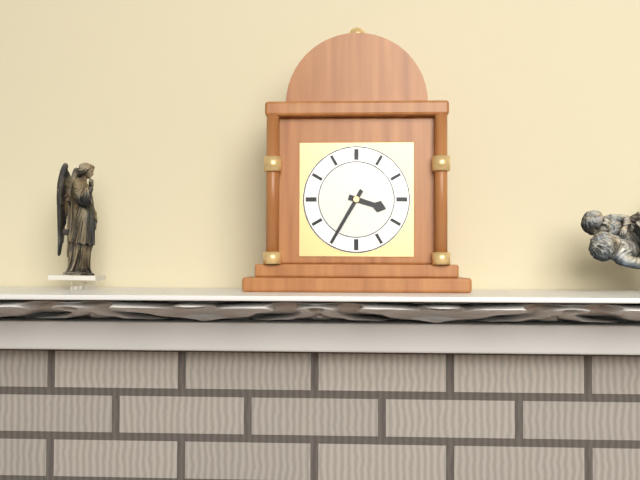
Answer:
3h35
